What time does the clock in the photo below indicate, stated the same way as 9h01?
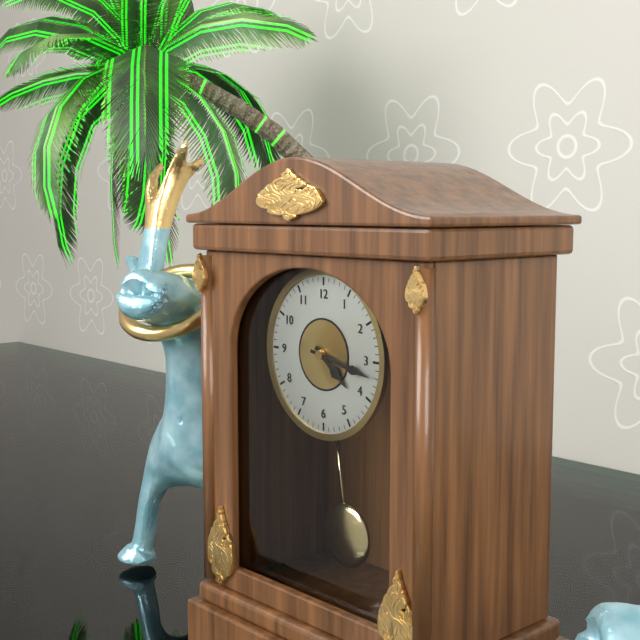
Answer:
4h17
